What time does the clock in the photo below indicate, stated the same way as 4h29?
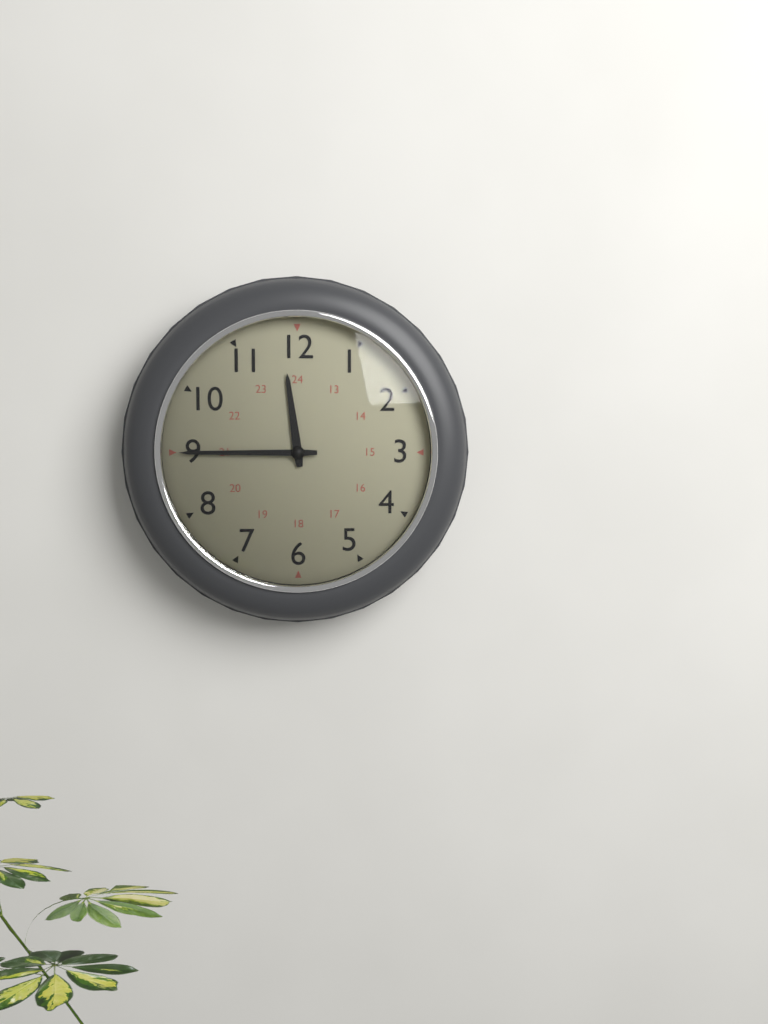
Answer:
11h45
